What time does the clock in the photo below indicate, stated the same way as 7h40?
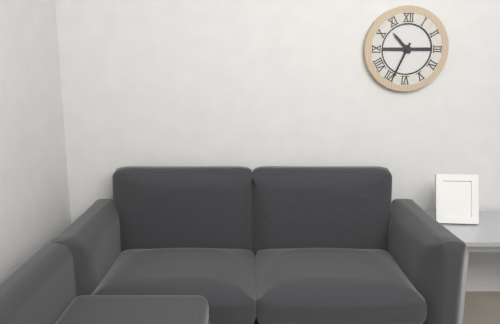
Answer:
10h34
